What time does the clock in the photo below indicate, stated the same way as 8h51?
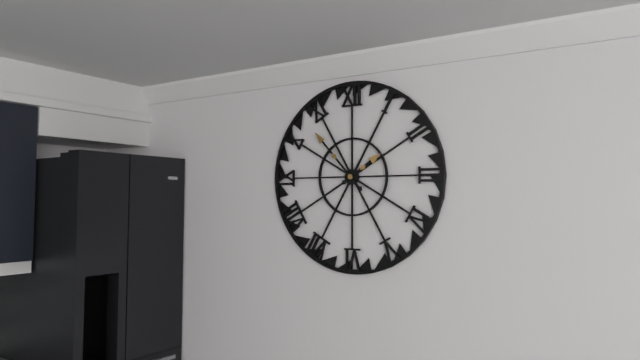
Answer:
1h53
